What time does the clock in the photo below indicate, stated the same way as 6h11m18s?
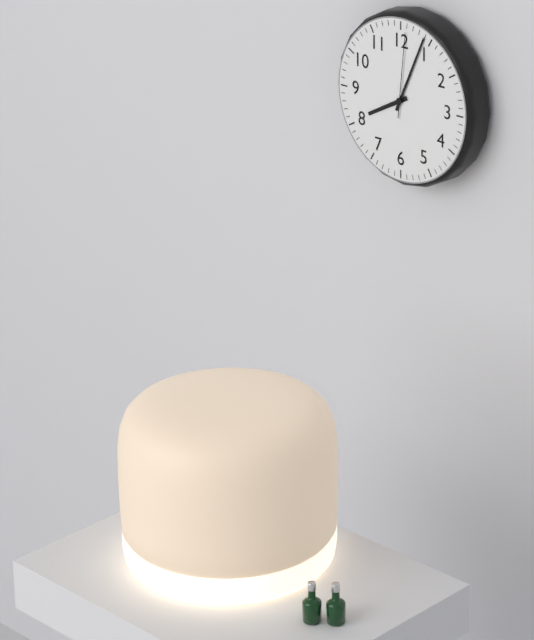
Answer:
8h04m01s
